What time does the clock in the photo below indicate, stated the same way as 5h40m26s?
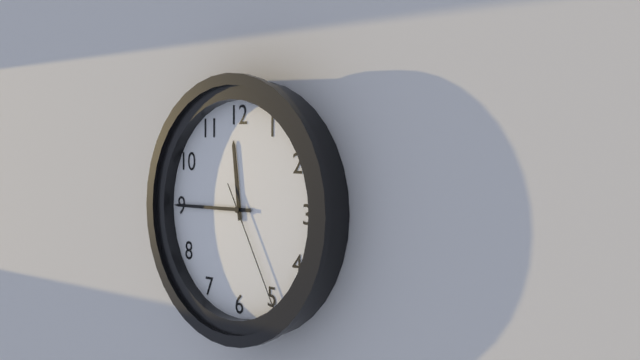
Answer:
11h45m25s
